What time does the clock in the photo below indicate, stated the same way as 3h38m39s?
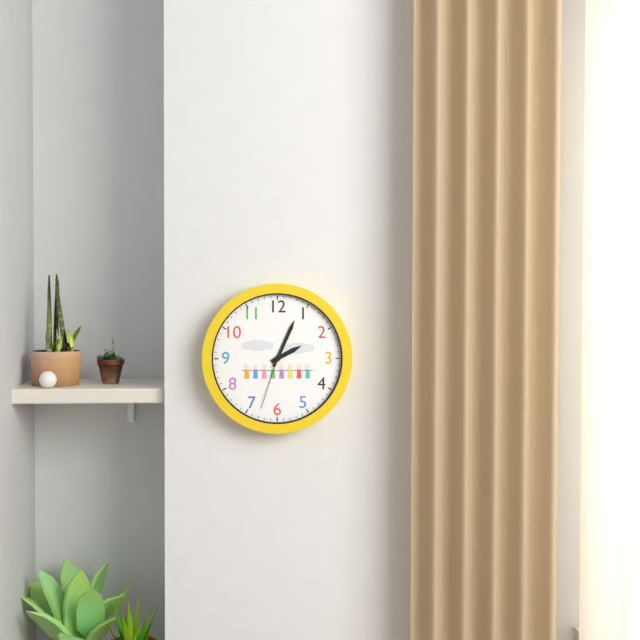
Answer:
2h04m33s
